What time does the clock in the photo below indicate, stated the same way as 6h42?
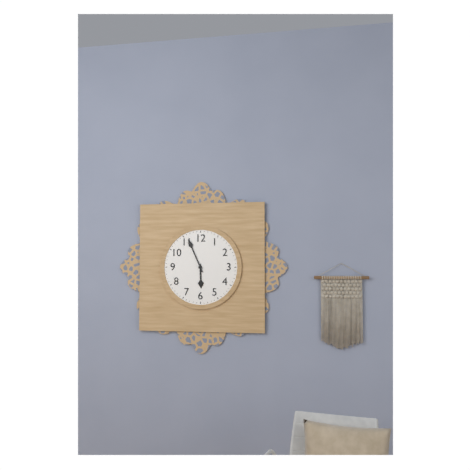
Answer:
5h56
